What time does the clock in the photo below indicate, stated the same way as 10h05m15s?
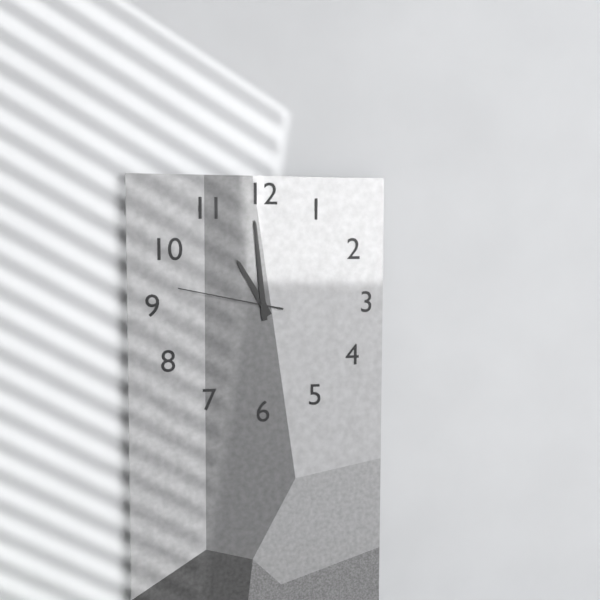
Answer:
10h59m47s
